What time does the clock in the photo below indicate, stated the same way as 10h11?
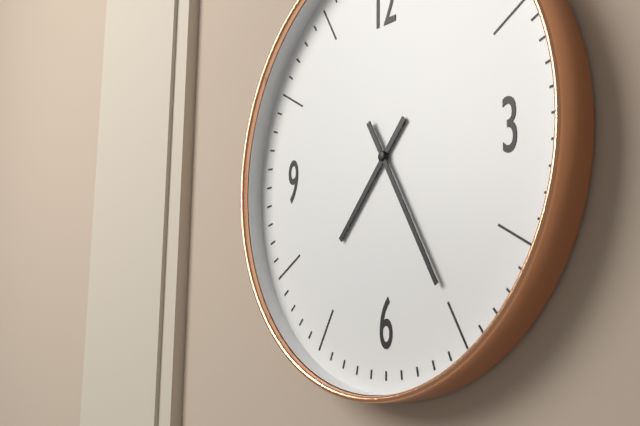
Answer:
7h25
